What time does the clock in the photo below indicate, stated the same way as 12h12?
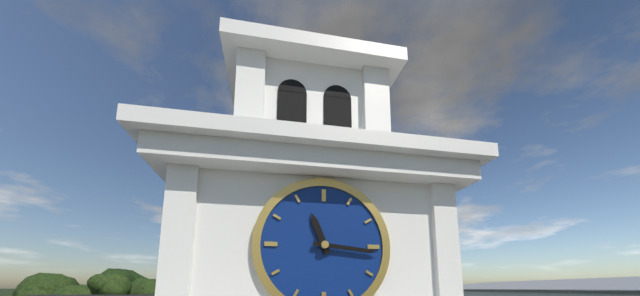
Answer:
11h16
